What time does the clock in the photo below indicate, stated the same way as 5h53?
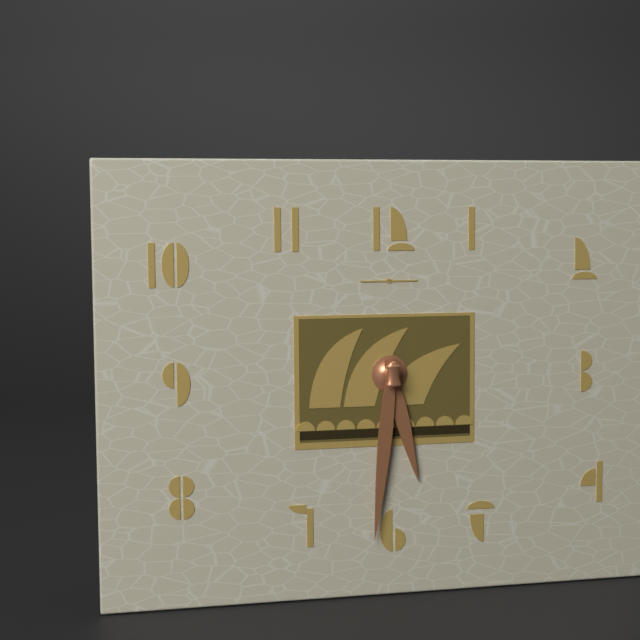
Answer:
5h31
